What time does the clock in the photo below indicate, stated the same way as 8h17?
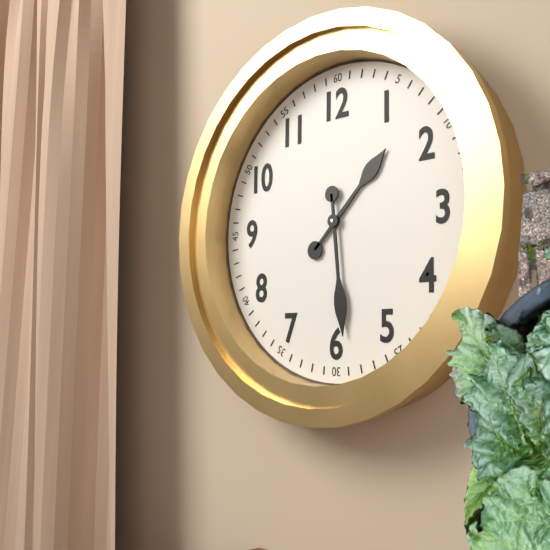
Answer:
1h29
